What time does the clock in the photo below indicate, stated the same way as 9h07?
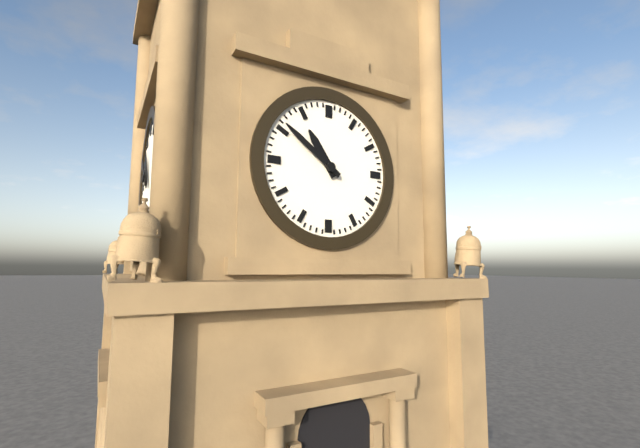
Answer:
10h51
